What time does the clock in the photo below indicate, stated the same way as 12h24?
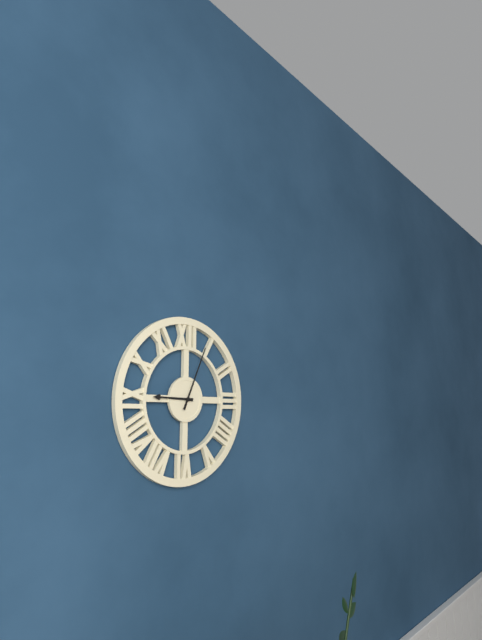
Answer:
9h04
